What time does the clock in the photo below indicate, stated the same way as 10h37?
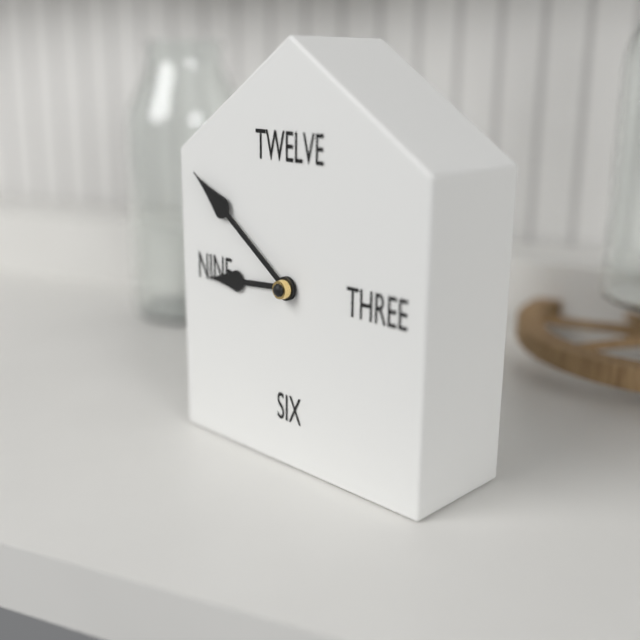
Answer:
8h51
